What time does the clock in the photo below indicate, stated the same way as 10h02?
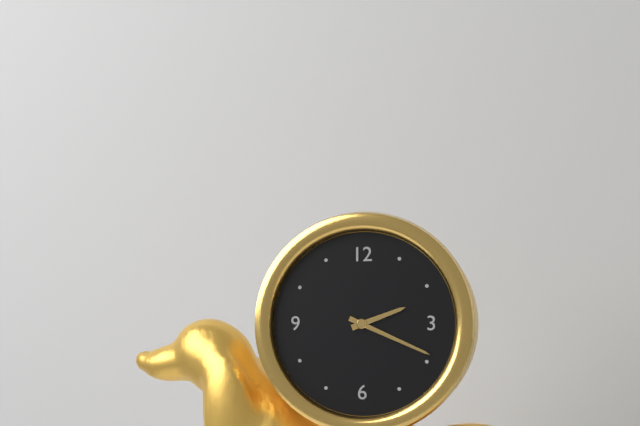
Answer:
2h19
